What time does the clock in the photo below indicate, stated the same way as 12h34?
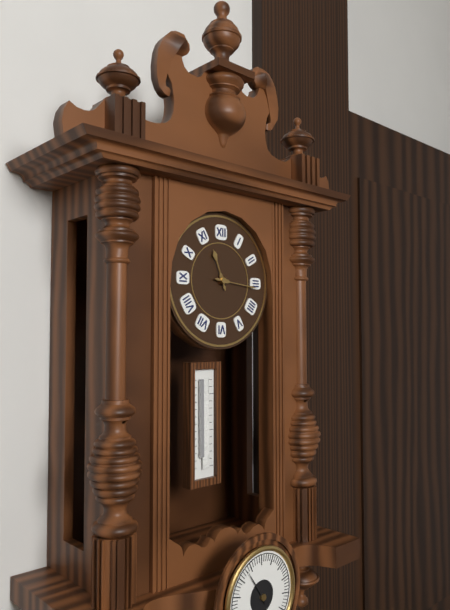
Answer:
11h16
